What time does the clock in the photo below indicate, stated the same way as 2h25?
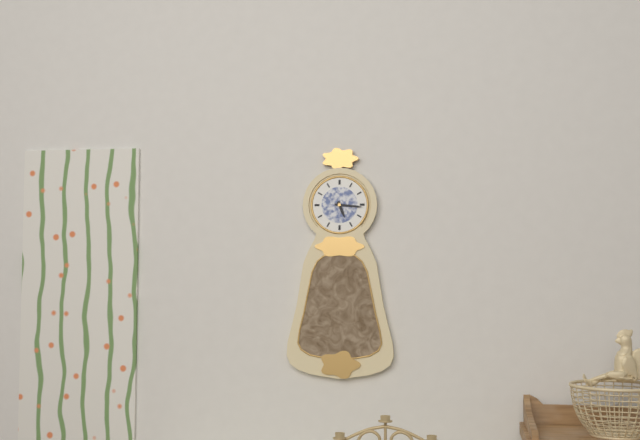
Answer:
5h16
